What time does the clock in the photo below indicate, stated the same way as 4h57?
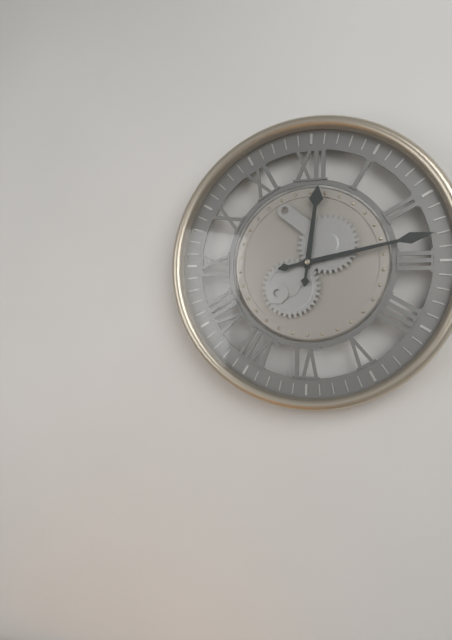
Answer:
12h13
